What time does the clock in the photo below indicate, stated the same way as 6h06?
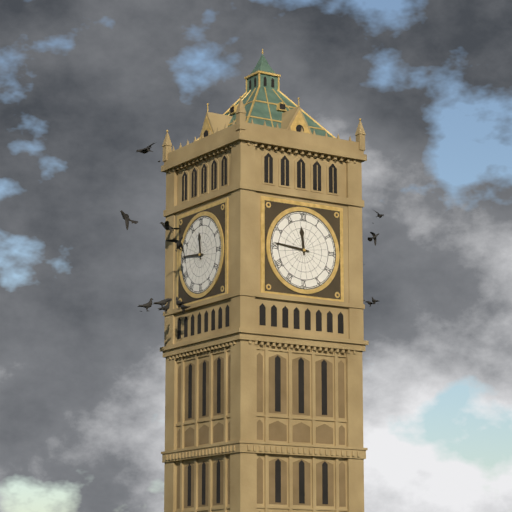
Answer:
11h46
